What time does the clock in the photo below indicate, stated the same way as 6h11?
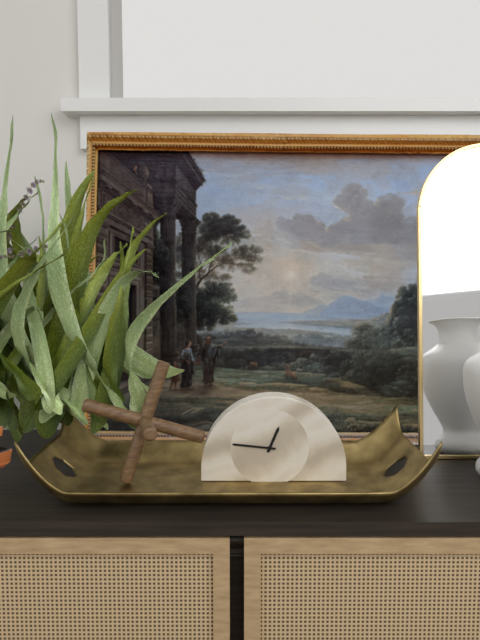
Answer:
12h46
